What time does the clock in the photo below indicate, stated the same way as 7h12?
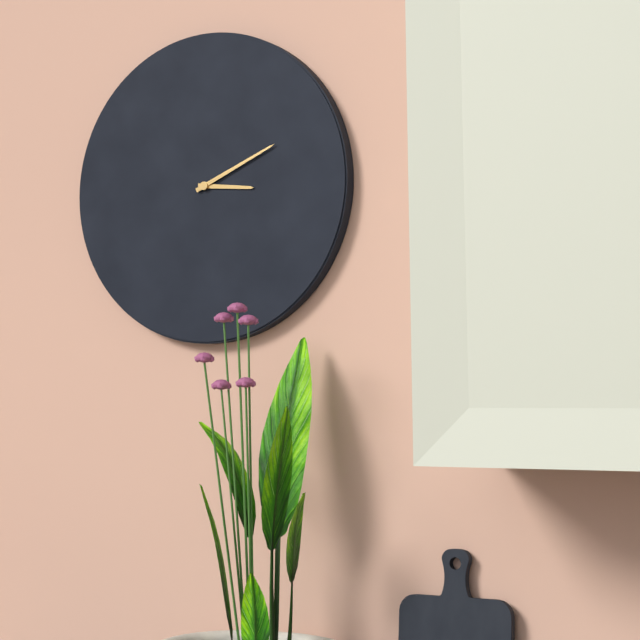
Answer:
3h11
